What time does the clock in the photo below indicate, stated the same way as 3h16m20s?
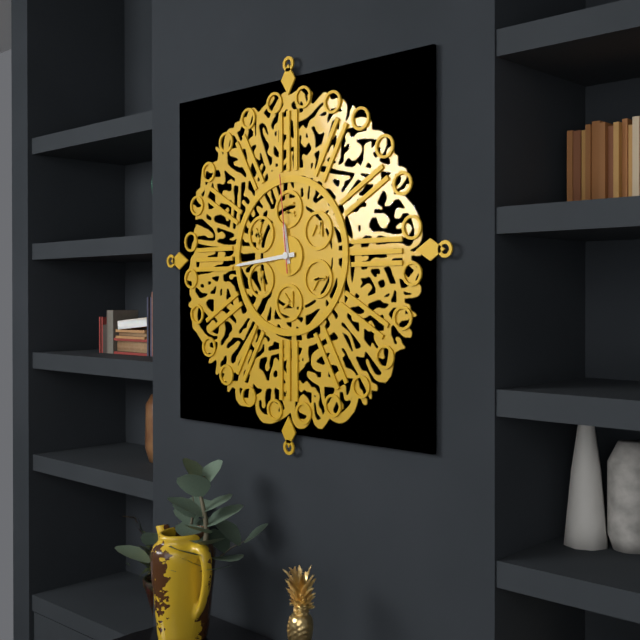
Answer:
11h44m59s
